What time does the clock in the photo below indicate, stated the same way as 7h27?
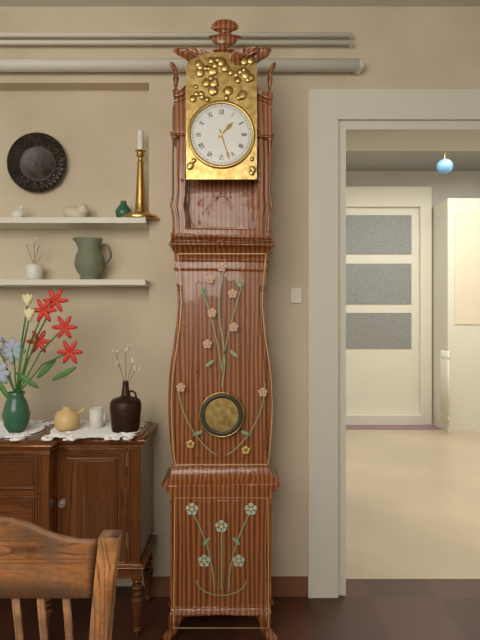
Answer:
1h27
